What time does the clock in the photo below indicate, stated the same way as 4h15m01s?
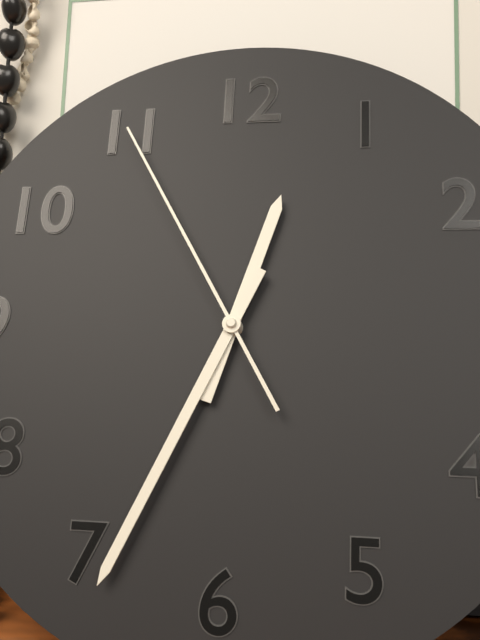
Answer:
12h34m55s
